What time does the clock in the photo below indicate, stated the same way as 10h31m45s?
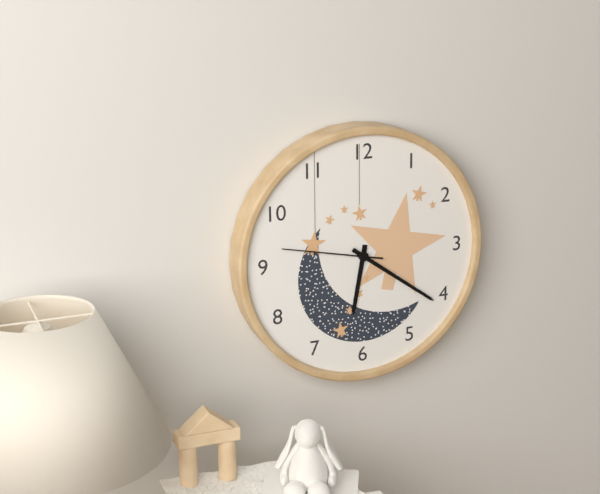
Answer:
6h21m47s
